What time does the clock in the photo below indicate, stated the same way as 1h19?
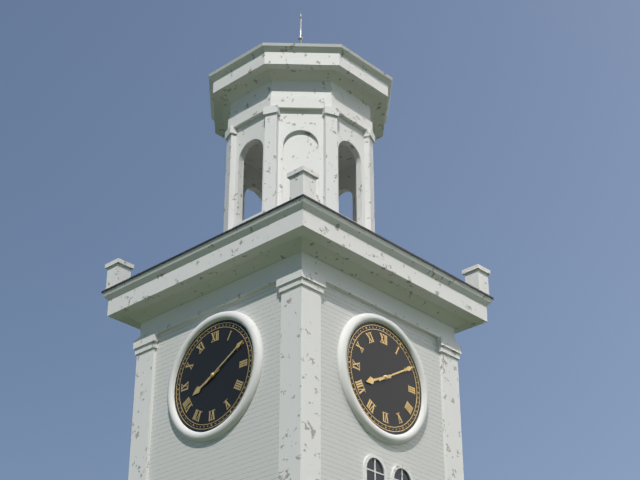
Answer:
8h10
